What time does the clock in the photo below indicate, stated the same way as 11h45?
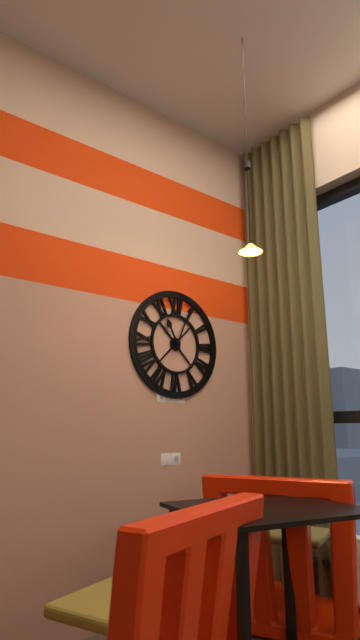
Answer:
11h04
